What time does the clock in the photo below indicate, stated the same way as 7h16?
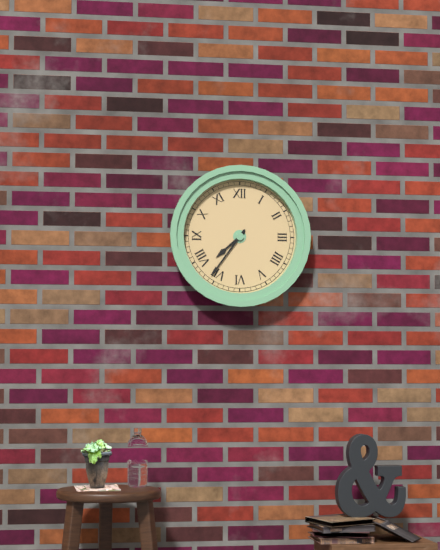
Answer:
7h36
